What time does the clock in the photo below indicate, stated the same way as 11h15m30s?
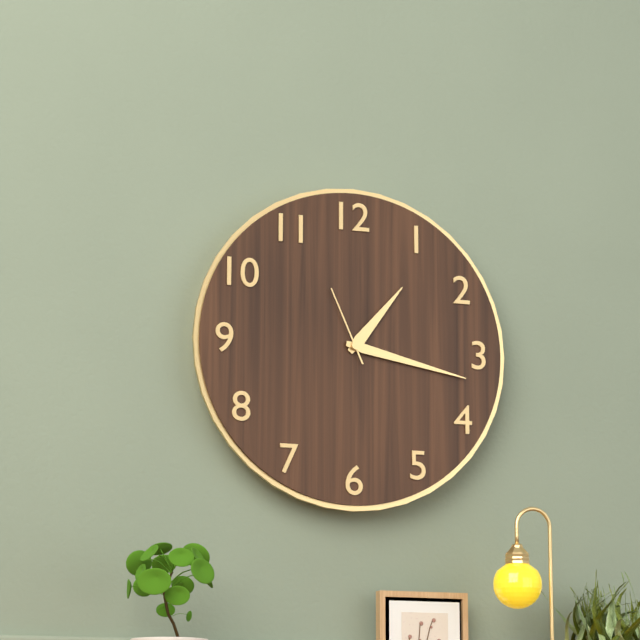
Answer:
1h17m56s
